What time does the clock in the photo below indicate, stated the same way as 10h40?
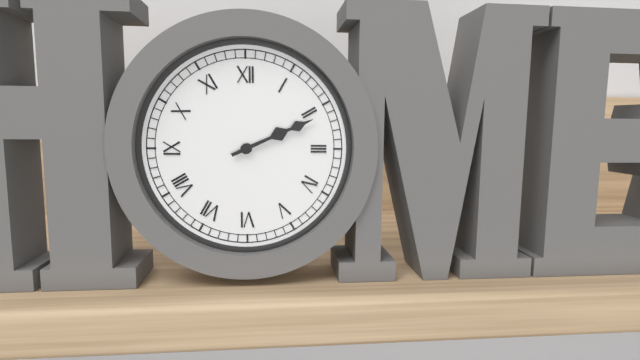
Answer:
2h11
